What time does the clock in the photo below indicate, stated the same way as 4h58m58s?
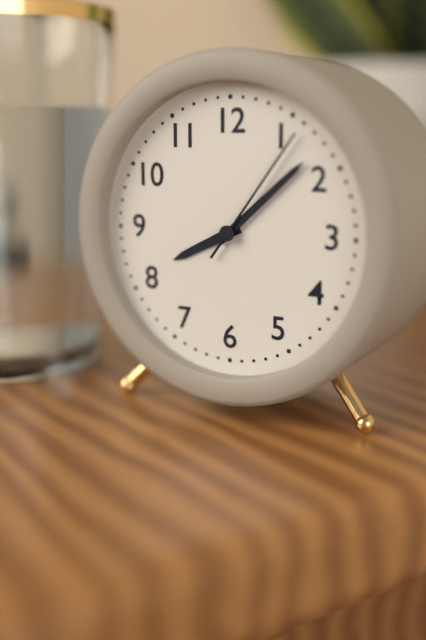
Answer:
8h08m06s
